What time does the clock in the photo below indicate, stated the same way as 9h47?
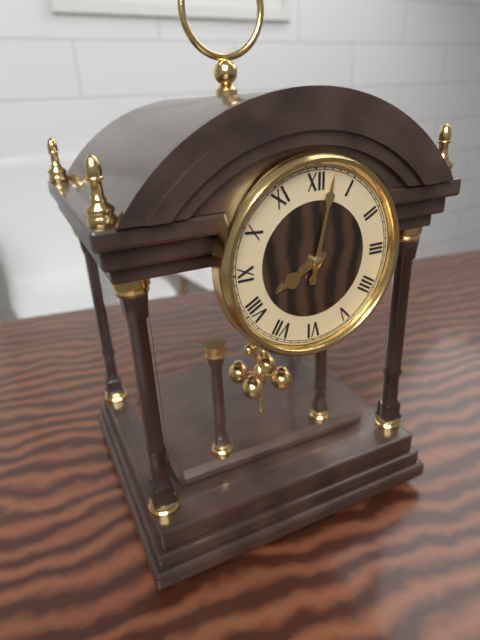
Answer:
8h02
